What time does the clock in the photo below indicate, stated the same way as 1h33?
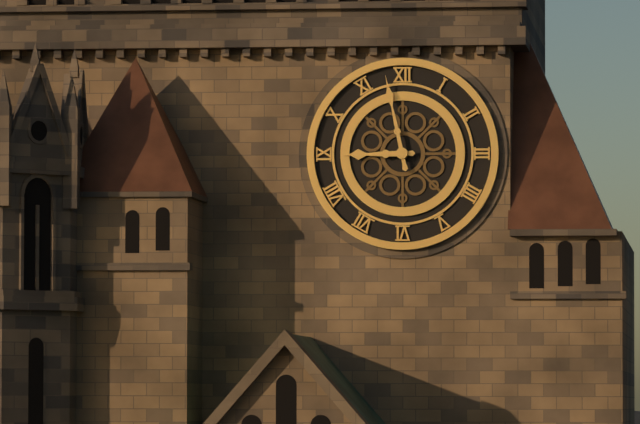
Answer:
8h58
